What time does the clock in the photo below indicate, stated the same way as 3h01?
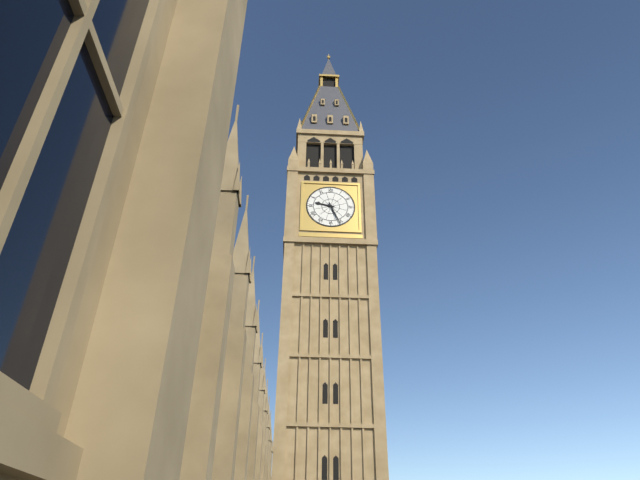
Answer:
9h26
